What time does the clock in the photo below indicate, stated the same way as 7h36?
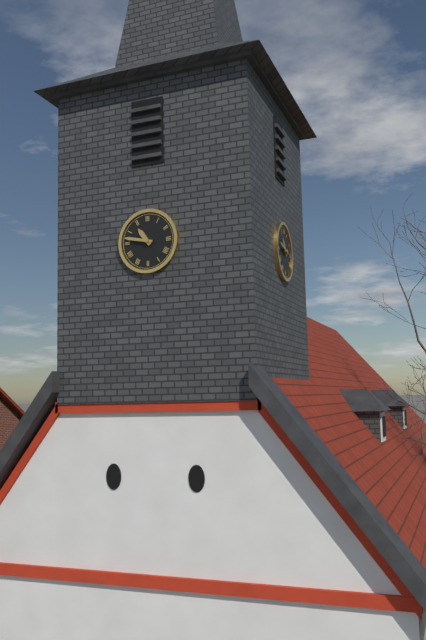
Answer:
10h47
